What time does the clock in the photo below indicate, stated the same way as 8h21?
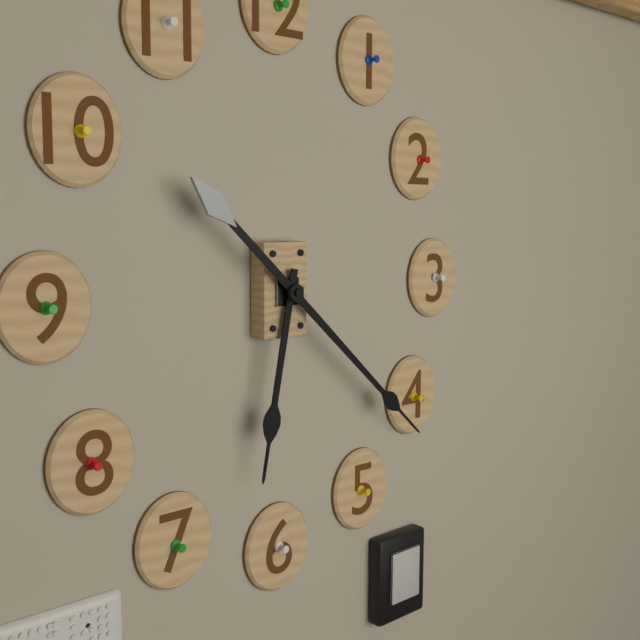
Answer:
6h22
